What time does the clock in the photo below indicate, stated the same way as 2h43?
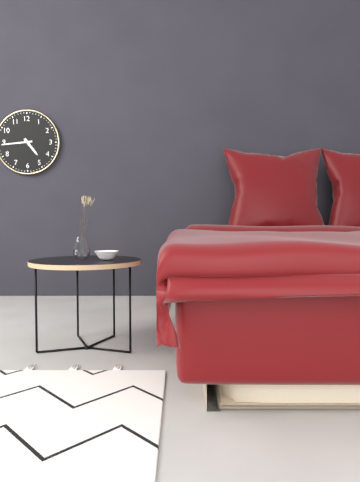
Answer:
4h44
